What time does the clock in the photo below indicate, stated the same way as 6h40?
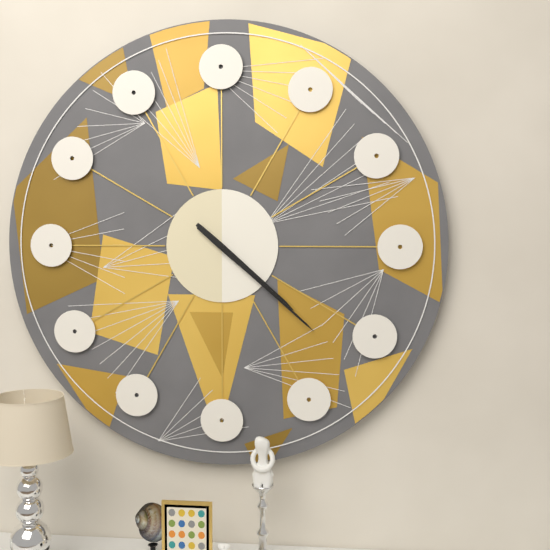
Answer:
4h22
